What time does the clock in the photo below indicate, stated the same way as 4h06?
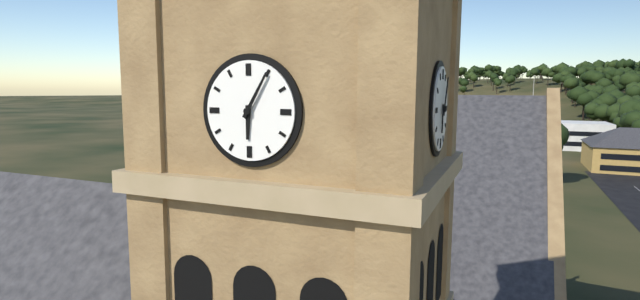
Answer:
6h05
